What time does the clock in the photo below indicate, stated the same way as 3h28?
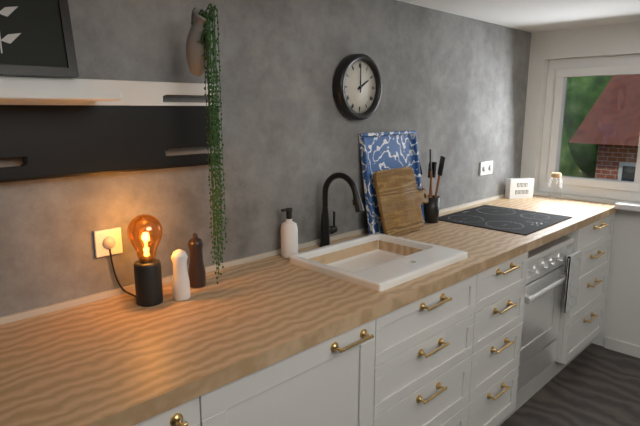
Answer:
2h00
